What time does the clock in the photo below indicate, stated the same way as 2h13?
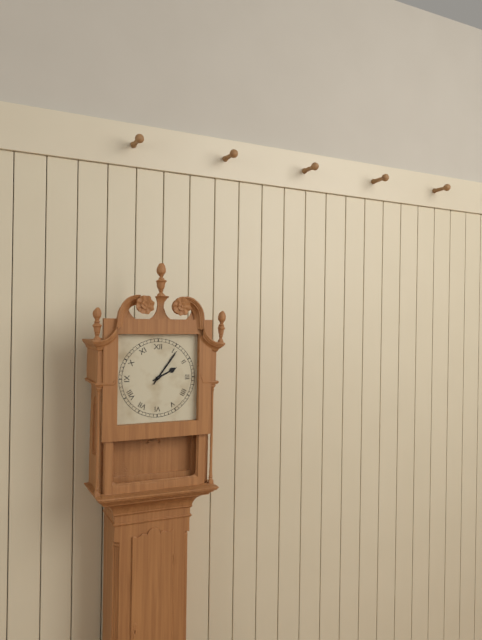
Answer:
2h06
